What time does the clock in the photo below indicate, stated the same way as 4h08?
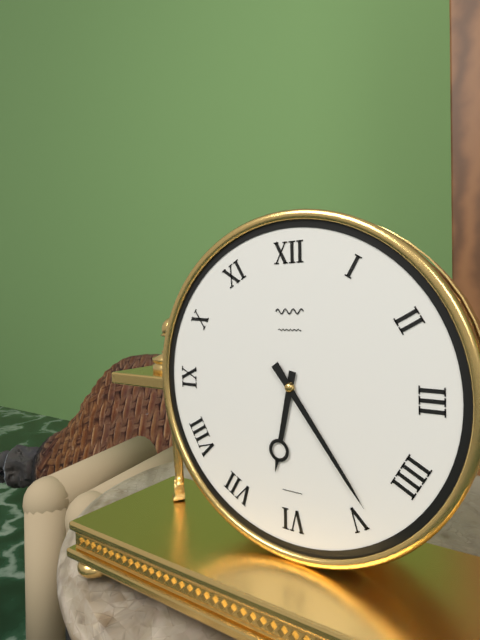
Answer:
6h24
